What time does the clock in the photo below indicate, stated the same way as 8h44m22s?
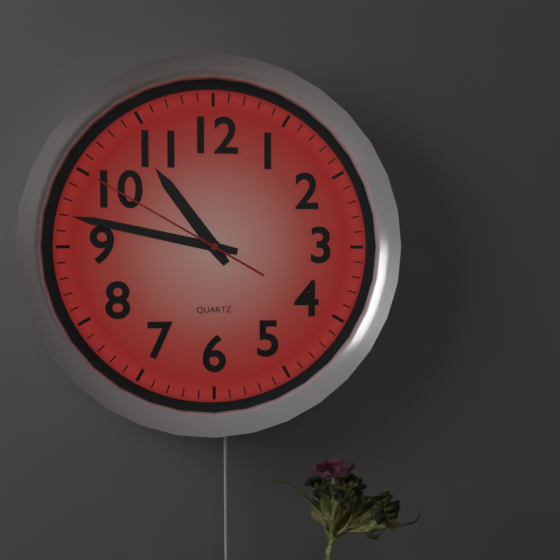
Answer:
10h47m50s
